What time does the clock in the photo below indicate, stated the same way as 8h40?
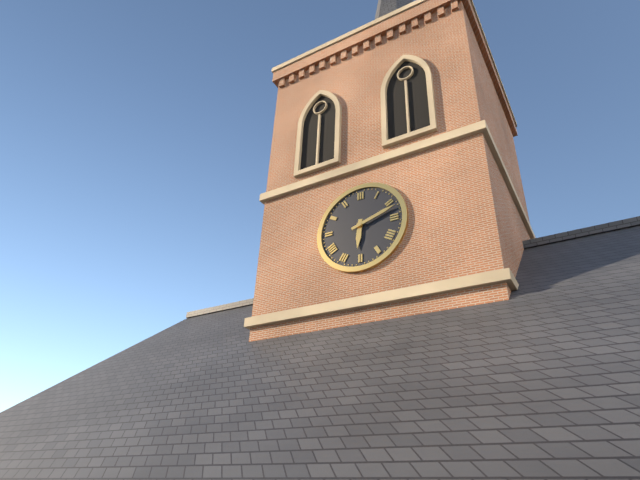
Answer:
6h12
